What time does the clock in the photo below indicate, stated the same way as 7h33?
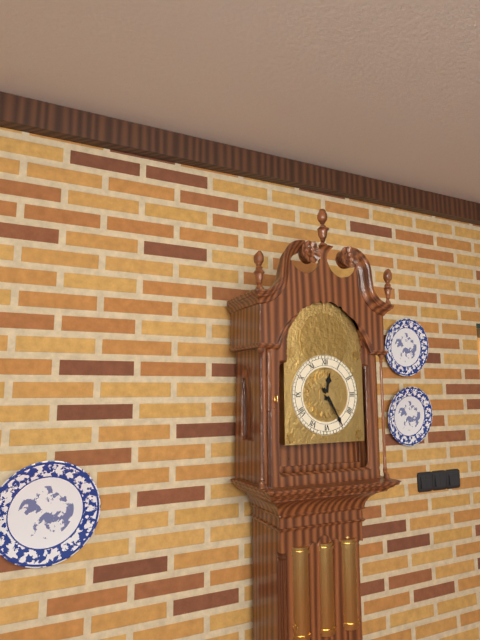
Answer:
12h25
